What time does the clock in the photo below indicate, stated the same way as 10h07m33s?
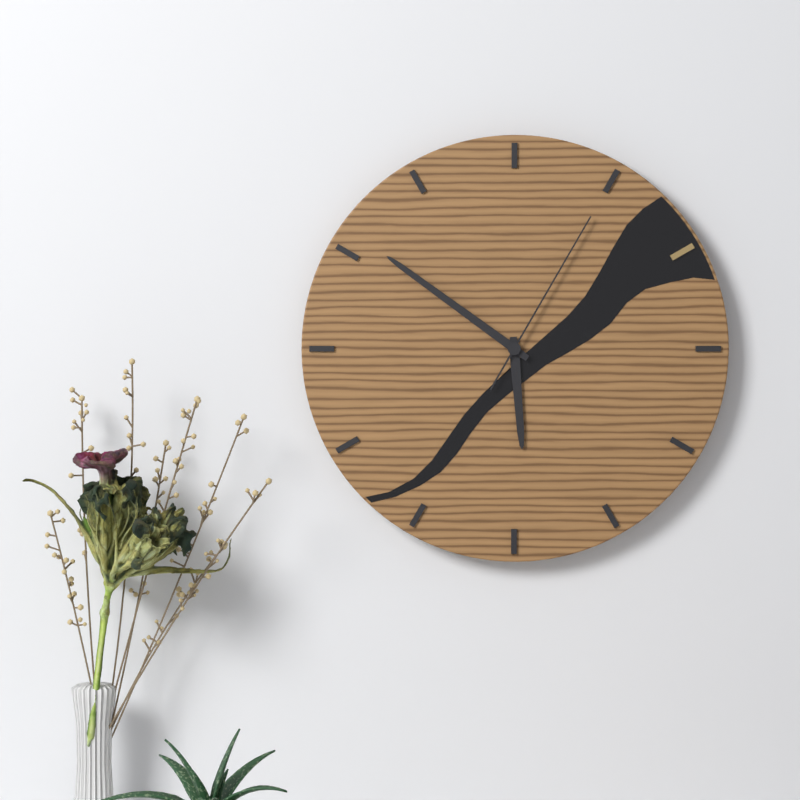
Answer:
5h51m05s
